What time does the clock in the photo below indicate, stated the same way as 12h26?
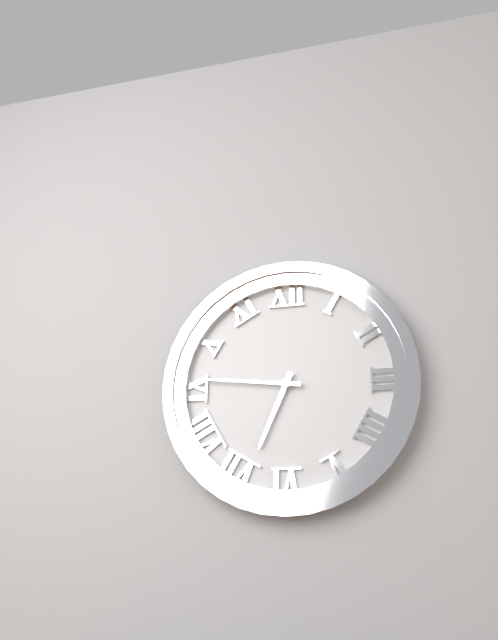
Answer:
6h46
